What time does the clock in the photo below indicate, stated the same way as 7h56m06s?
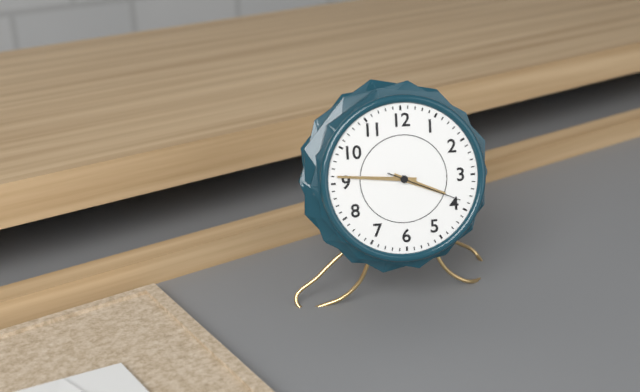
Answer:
3h46m19s
